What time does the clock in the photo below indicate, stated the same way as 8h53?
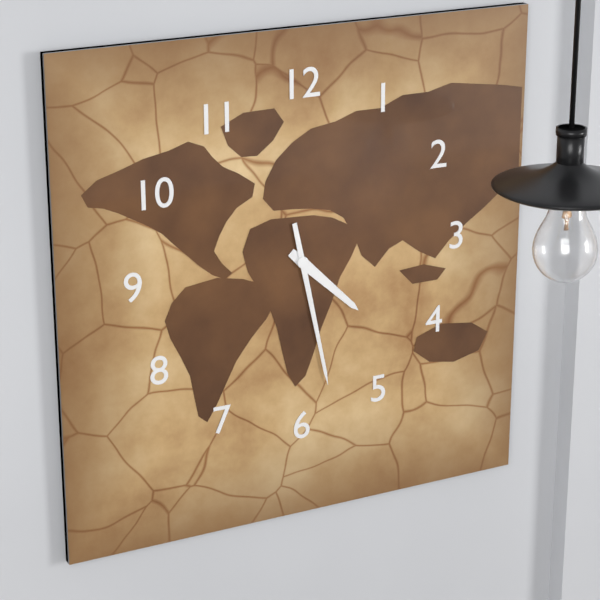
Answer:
4h28
